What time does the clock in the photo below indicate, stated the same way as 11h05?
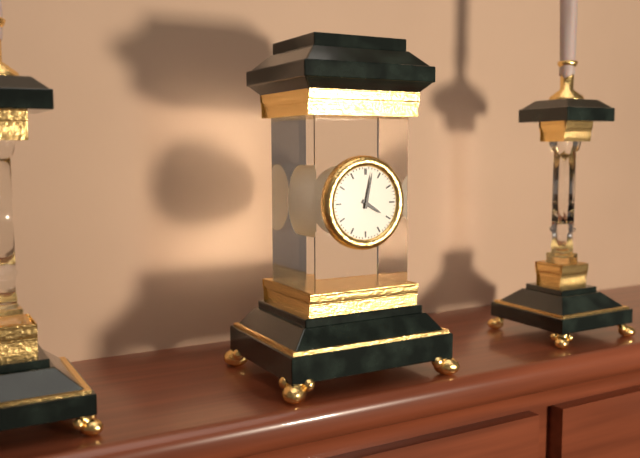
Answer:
4h02
